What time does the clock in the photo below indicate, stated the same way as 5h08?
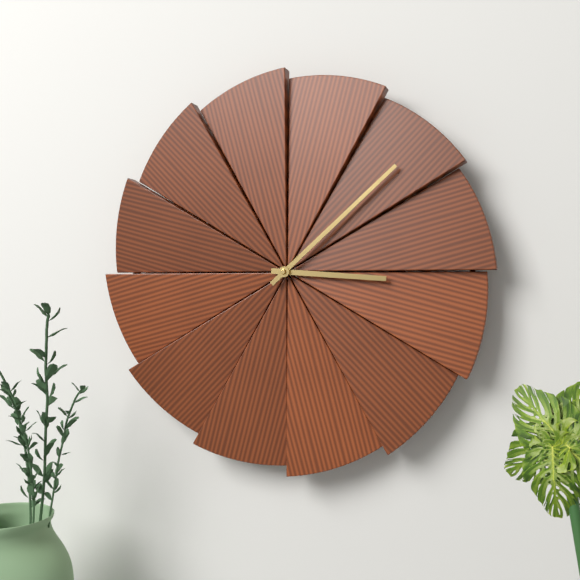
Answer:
3h08
